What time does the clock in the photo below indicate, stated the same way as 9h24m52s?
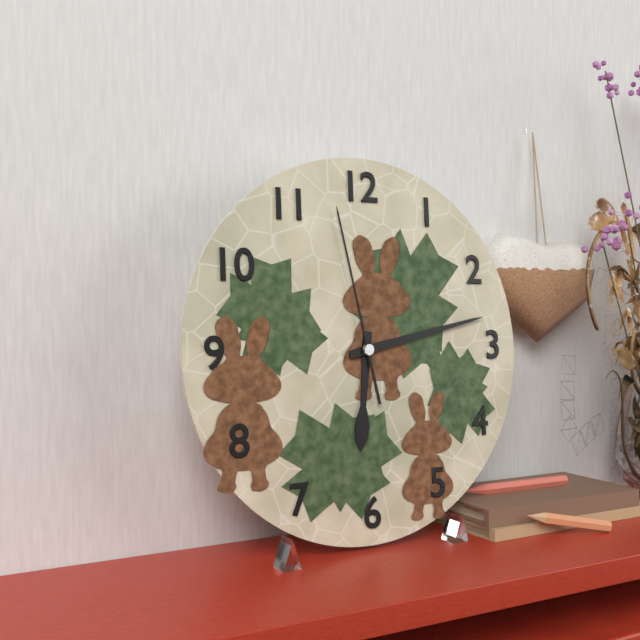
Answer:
6h13m58s
